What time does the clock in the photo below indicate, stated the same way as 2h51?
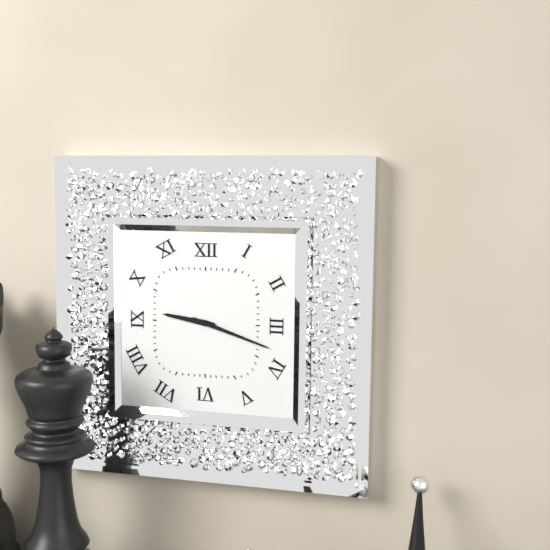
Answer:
9h18
